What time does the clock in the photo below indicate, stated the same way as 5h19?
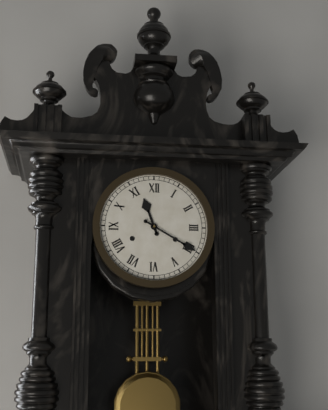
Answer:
11h20
